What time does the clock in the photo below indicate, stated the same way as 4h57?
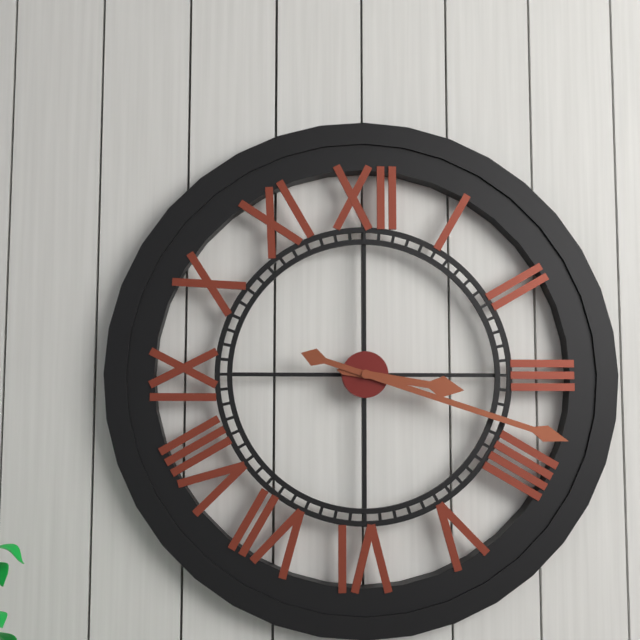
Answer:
3h18
